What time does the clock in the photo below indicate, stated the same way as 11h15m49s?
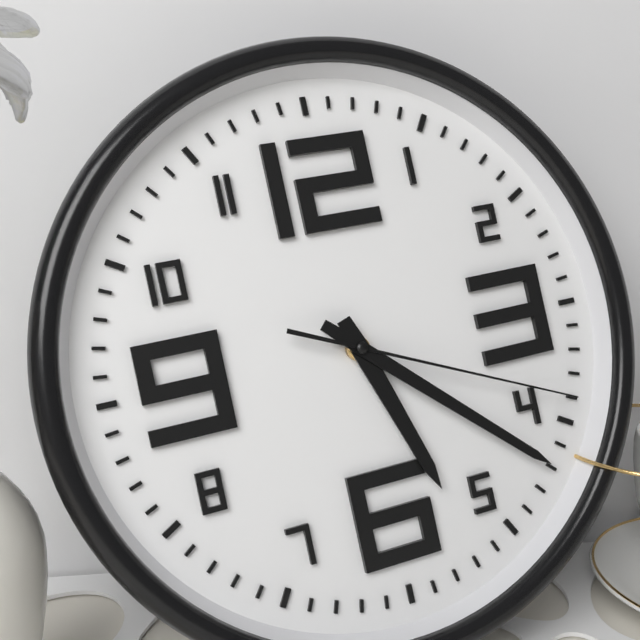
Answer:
5h22m19s
